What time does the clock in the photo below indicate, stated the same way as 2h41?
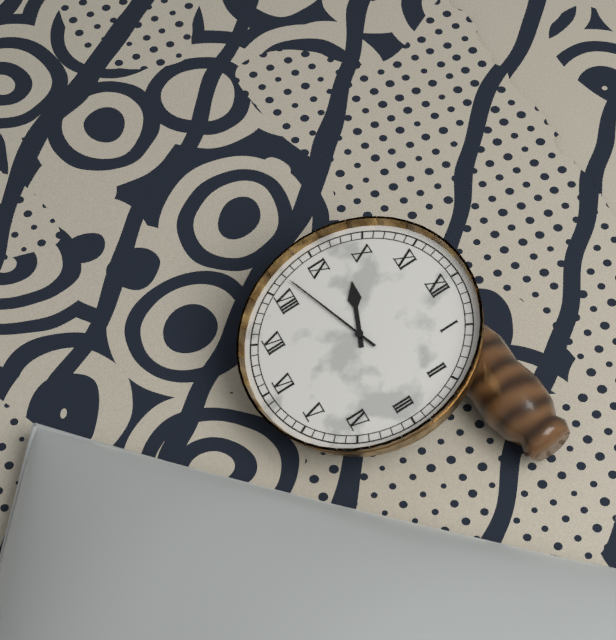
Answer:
9h42
